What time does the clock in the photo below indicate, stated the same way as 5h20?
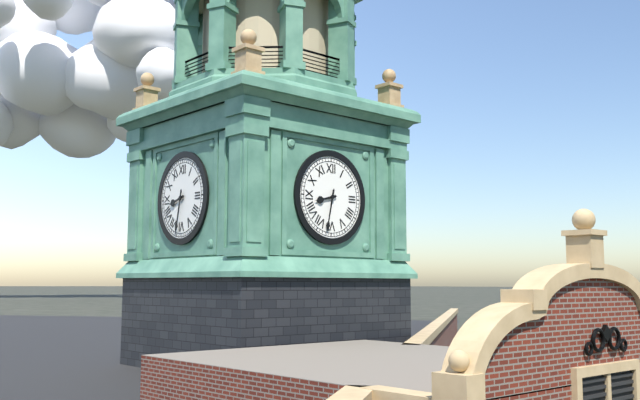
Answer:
8h32
